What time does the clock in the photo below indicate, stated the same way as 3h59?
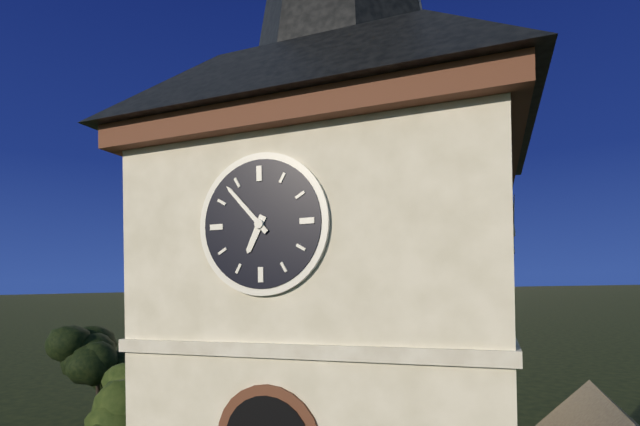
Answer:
6h53
